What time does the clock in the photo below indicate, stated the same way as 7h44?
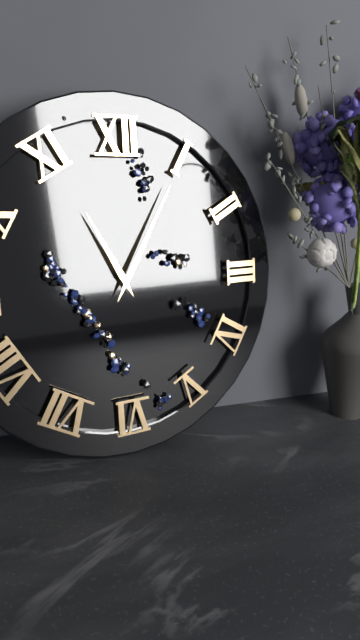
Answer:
11h05
